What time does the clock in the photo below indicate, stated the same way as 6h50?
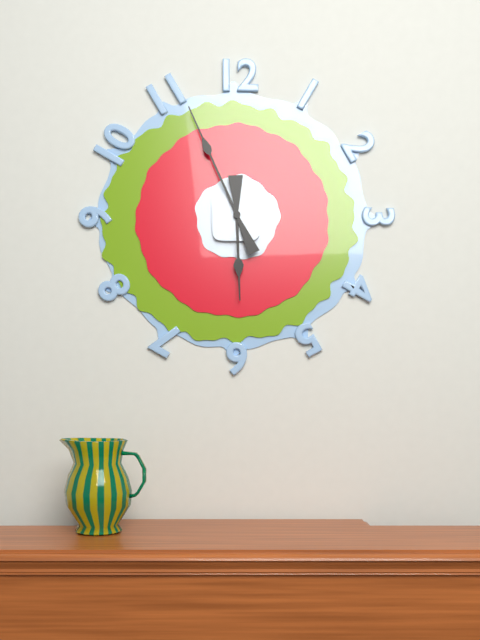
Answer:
5h56
